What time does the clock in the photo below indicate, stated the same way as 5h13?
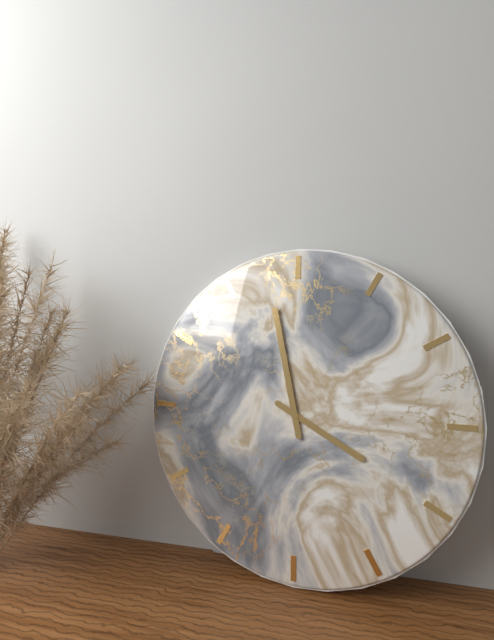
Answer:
3h58
